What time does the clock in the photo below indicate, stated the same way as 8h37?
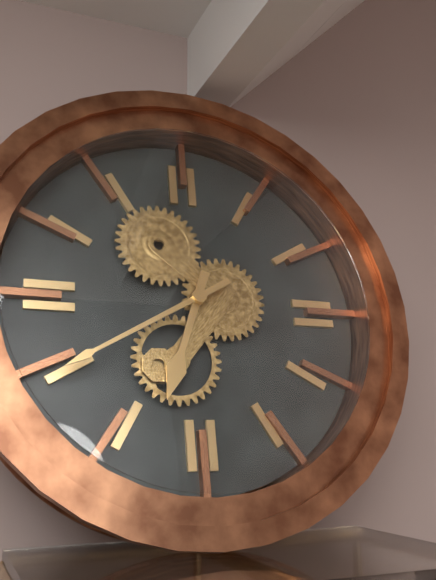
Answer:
6h40
